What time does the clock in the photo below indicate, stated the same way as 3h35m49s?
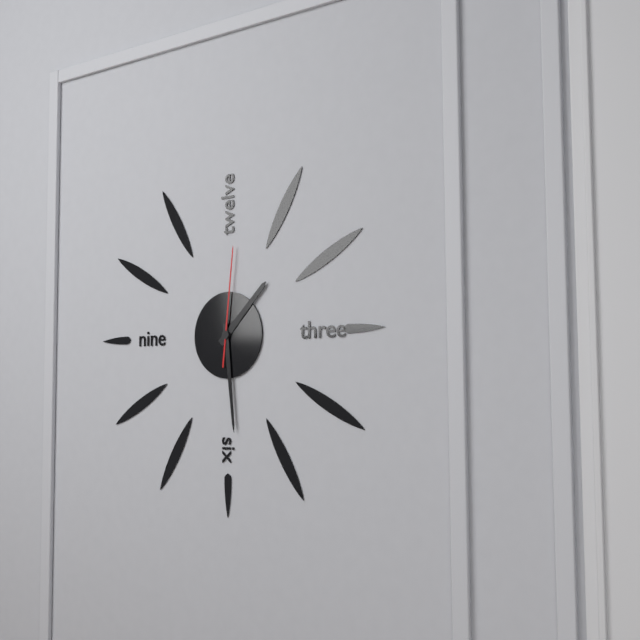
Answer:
1h29m01s
